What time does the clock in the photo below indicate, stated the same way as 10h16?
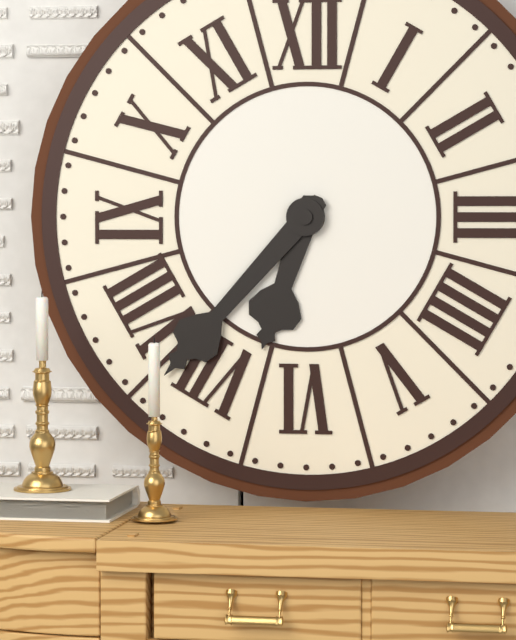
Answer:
6h37
